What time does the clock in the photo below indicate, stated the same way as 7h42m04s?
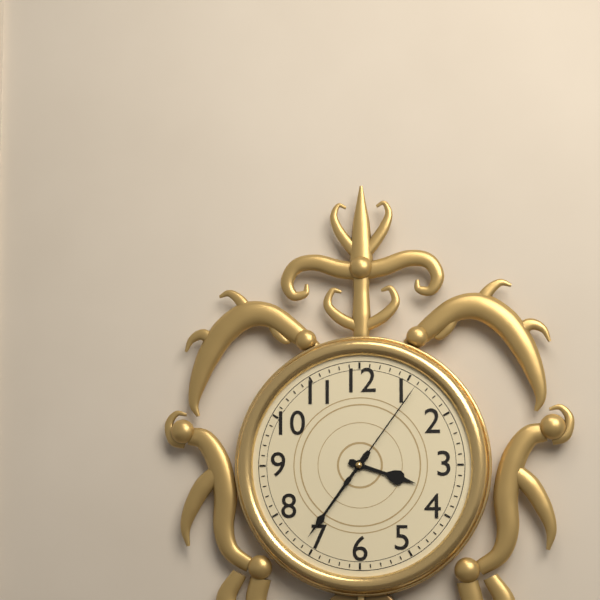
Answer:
3h36m06s
